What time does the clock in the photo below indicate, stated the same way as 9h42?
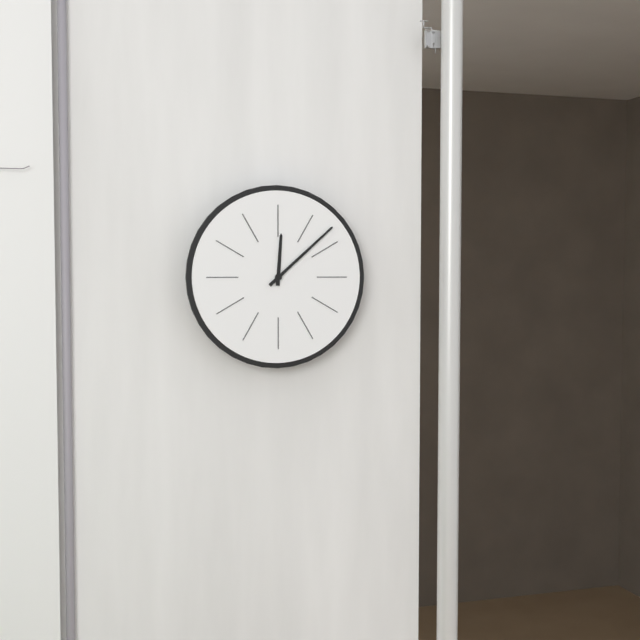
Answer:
12h08
